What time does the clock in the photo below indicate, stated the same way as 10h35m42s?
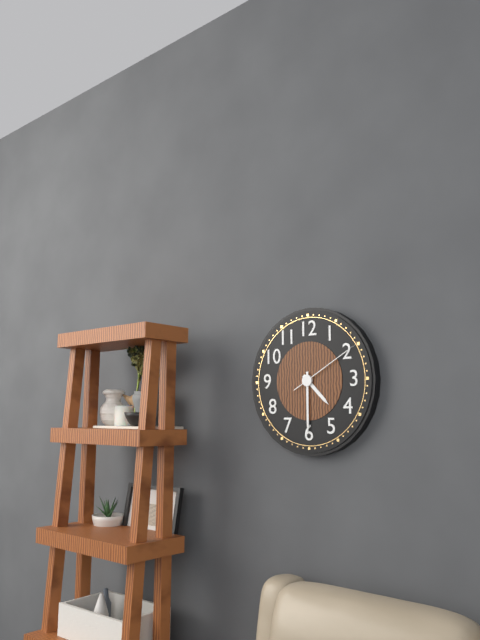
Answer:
4h30m10s
